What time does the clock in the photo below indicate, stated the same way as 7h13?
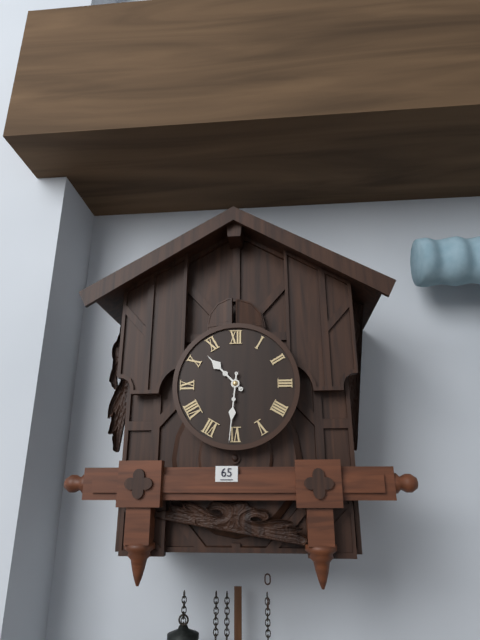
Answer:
10h31
